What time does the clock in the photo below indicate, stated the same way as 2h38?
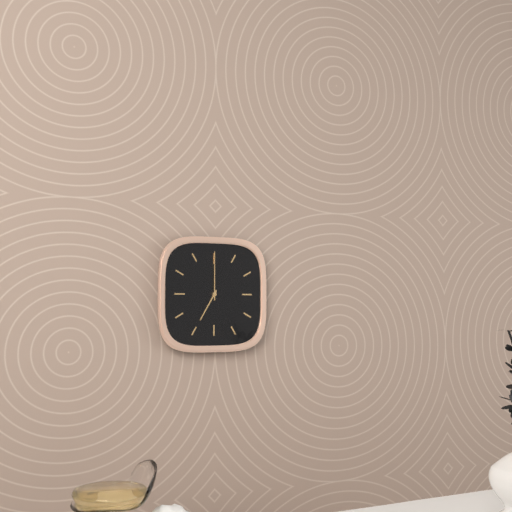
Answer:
7h00
